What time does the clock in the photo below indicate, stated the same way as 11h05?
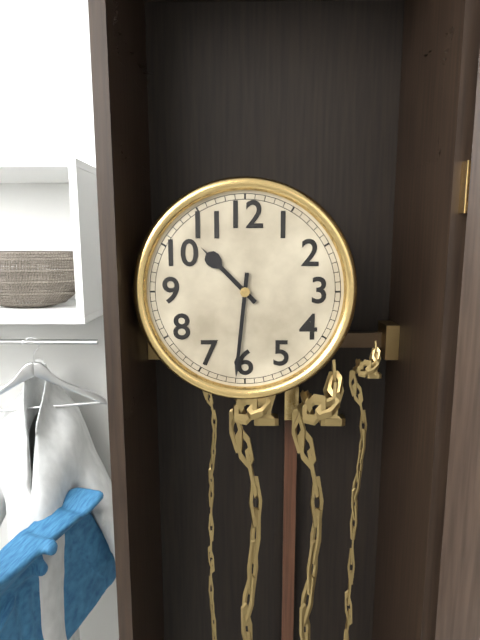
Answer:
10h31
